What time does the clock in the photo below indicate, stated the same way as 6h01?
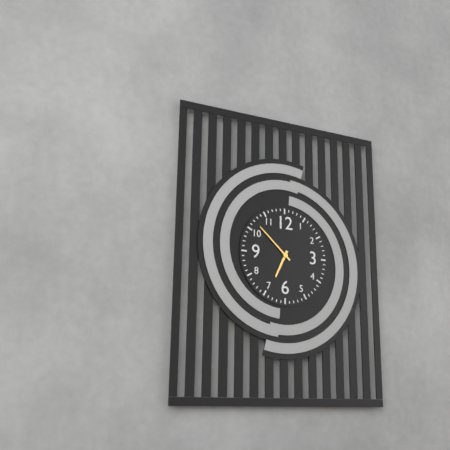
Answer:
6h52
